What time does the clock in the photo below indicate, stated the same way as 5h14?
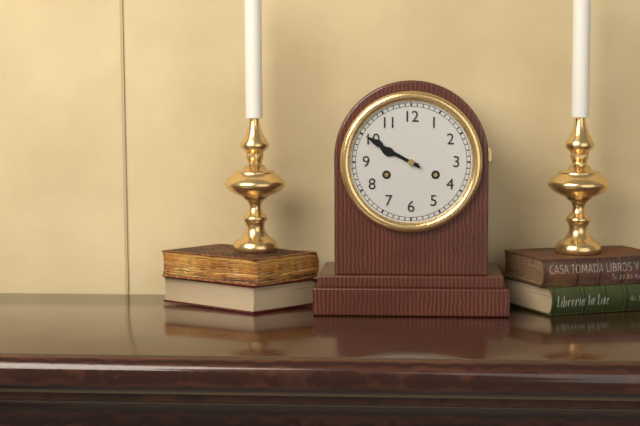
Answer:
9h50
